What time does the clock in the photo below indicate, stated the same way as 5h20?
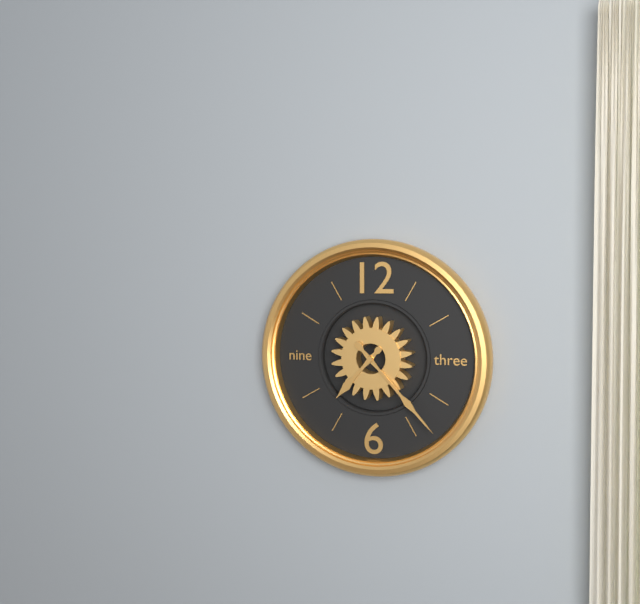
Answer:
7h23
